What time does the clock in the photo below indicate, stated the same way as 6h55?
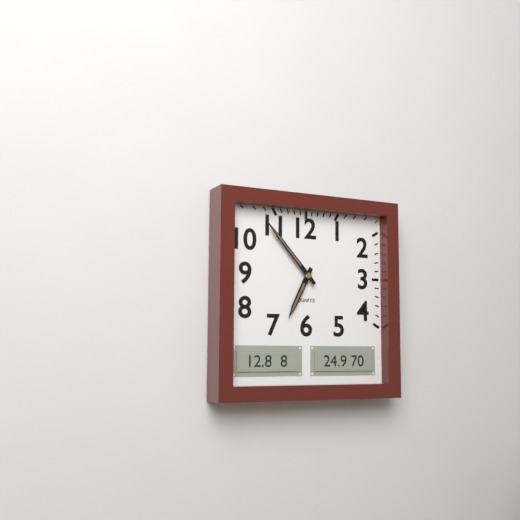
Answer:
6h53
